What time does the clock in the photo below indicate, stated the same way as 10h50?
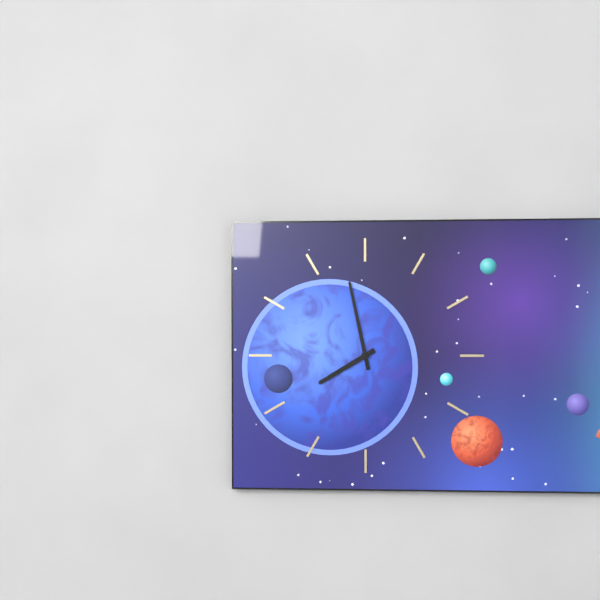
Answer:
7h58
